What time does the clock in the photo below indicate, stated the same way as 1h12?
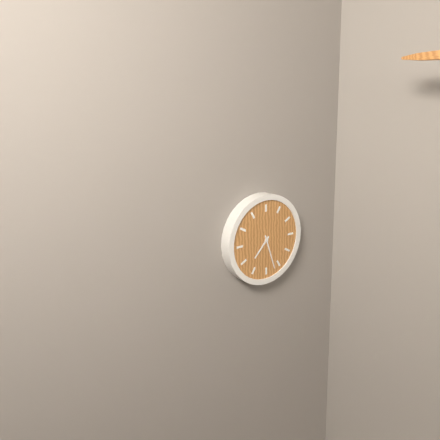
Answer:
7h27
